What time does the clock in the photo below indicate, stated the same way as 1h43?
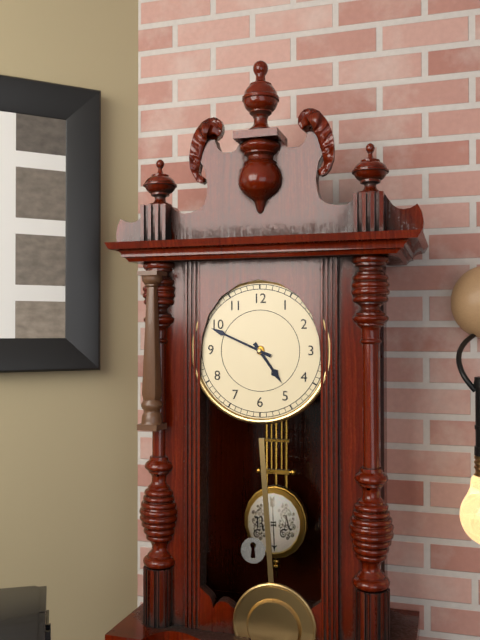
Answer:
4h49
